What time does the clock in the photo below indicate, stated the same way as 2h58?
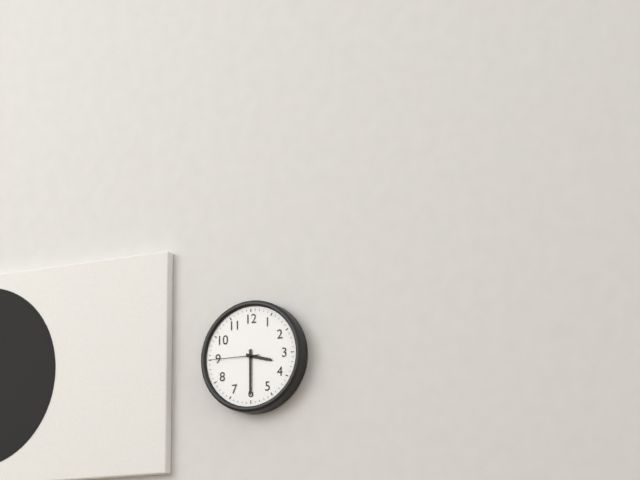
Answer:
3h30
